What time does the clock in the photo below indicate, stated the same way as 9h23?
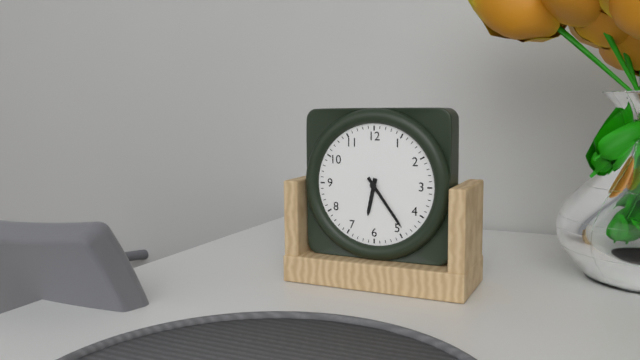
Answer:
6h24
